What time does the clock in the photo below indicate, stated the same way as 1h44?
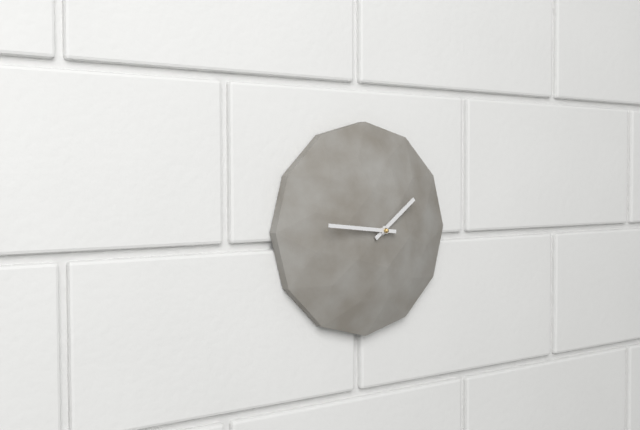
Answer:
1h46
